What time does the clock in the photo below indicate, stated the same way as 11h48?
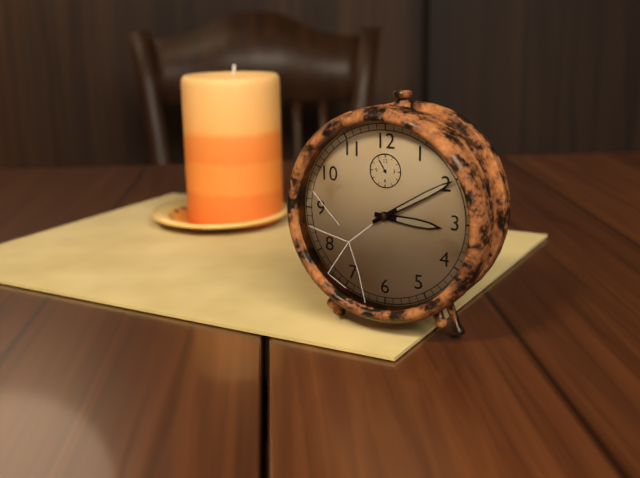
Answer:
3h10
